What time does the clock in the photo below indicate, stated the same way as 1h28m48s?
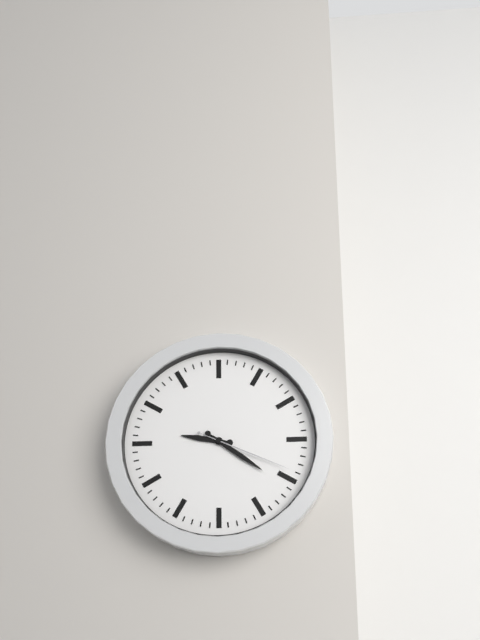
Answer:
9h21m19s
